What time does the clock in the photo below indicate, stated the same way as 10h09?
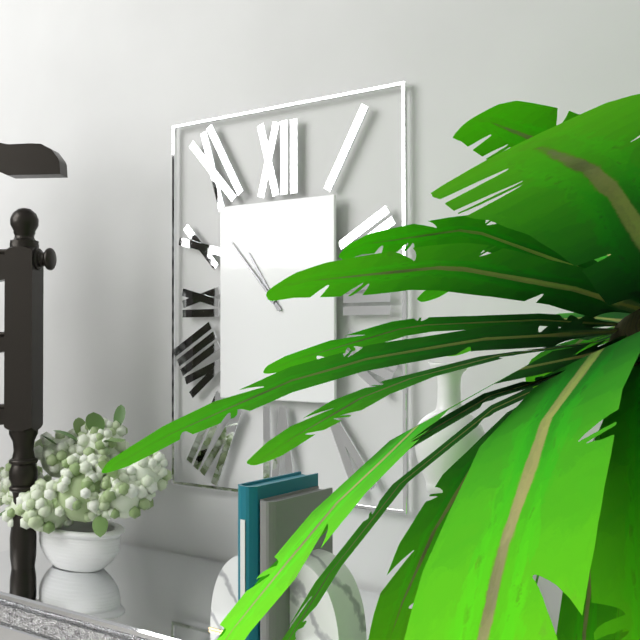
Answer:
10h53
